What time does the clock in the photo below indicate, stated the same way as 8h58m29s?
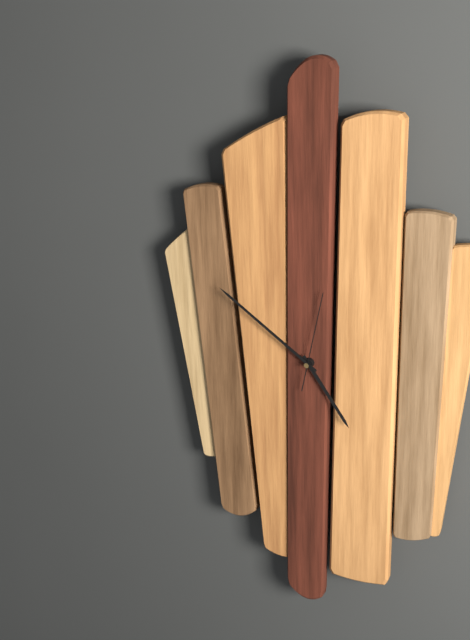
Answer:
4h51m02s
